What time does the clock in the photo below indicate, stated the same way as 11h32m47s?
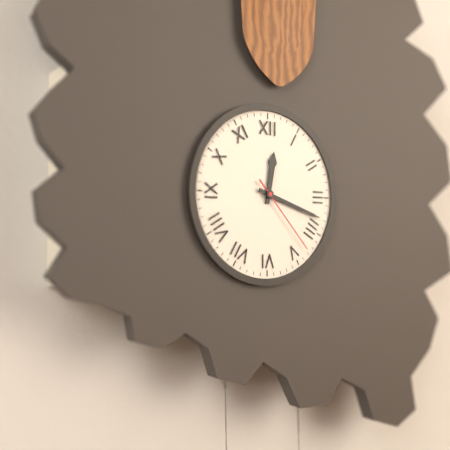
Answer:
12h18m23s
